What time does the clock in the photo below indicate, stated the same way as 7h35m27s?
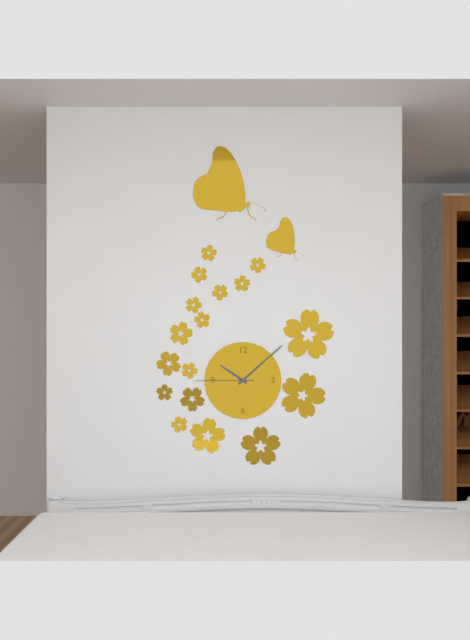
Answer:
10h08m45s
